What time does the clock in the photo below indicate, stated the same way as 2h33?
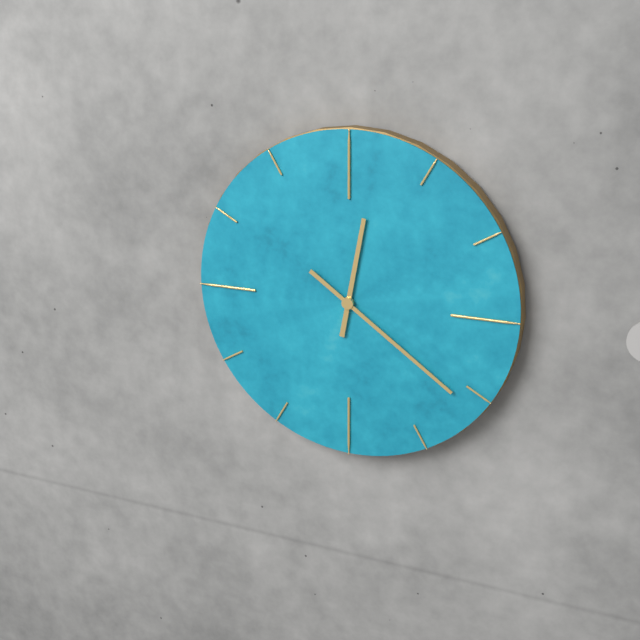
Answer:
12h21
